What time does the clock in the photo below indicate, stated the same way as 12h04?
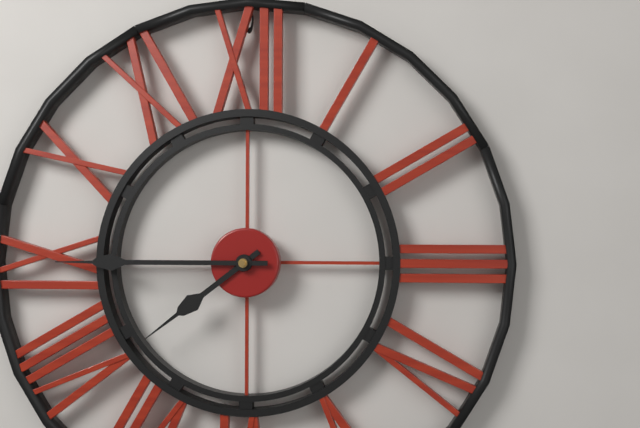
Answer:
7h45
